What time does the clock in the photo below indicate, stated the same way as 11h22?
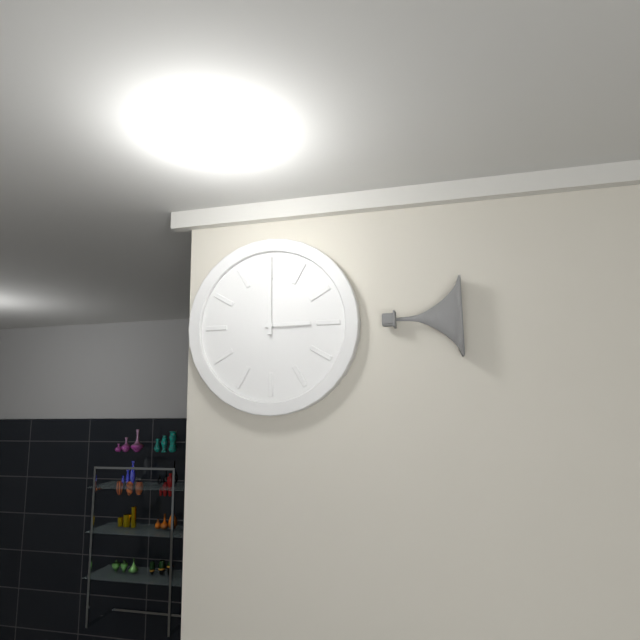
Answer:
3h00
